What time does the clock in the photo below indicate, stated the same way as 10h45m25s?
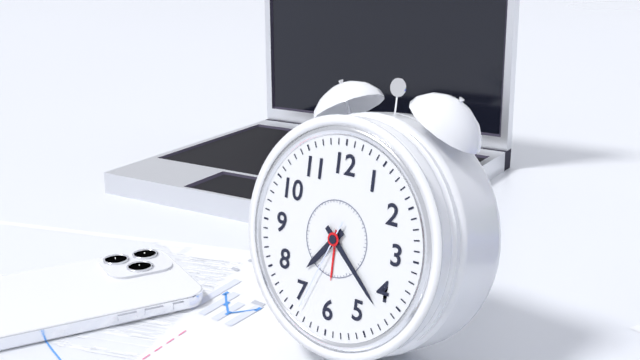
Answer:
7h22m34s
